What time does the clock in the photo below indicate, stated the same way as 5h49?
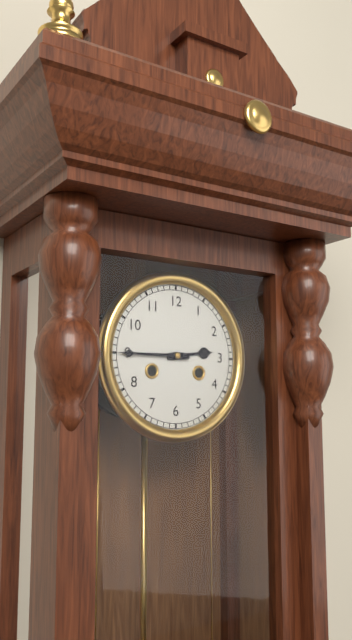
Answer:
2h45
